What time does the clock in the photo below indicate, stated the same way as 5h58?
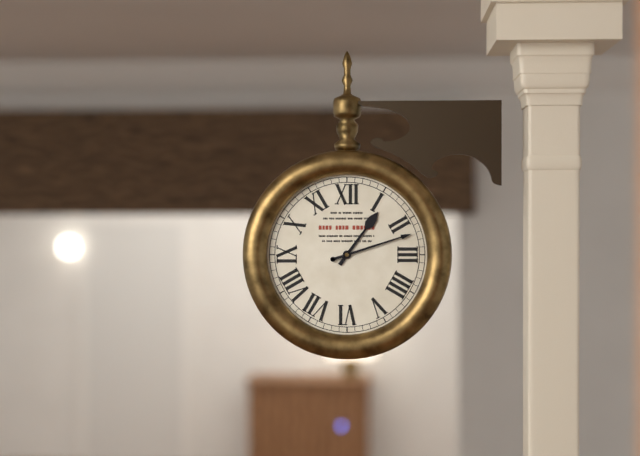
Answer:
1h12
